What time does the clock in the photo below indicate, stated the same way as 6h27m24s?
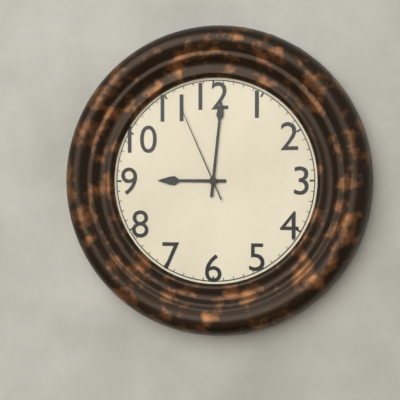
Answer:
9h01m56s
